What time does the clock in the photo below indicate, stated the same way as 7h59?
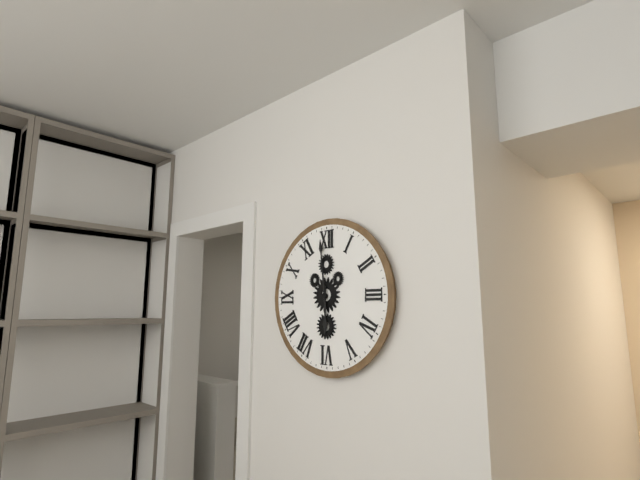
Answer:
5h59
